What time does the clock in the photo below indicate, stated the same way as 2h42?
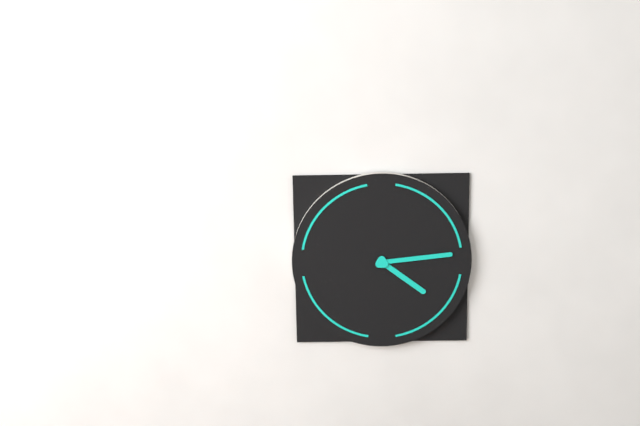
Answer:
4h14
